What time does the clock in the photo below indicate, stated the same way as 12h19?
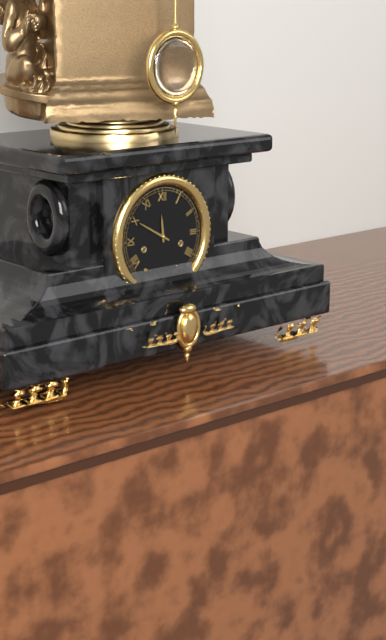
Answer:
11h50
